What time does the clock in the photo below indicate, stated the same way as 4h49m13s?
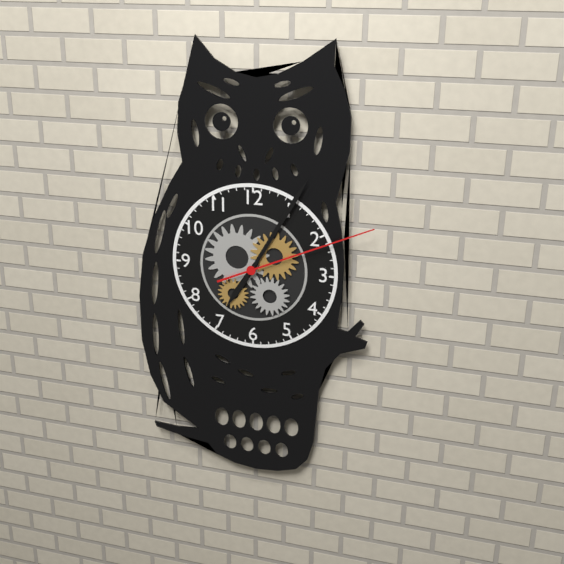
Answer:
7h05m11s
